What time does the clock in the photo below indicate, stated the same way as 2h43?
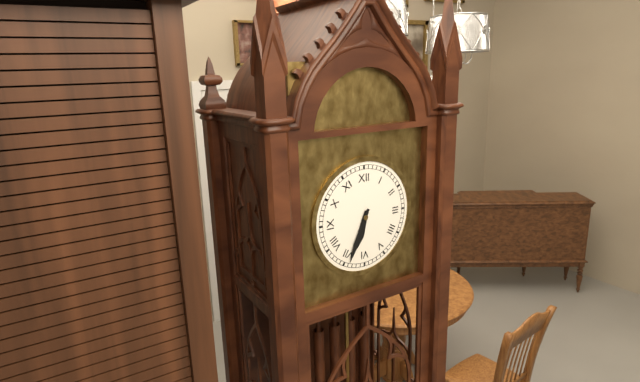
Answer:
6h34
